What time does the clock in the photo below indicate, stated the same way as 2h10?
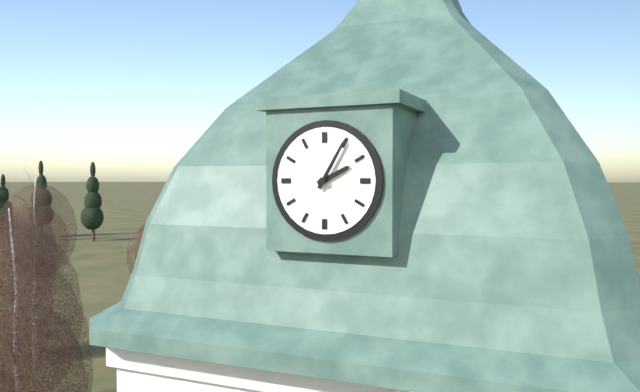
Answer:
2h05
